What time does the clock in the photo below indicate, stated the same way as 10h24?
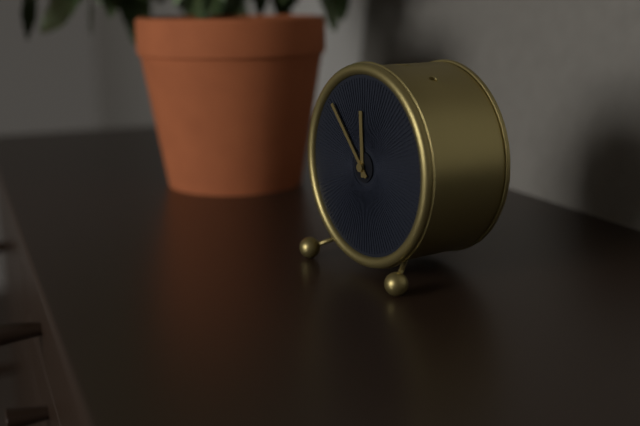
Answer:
11h53
